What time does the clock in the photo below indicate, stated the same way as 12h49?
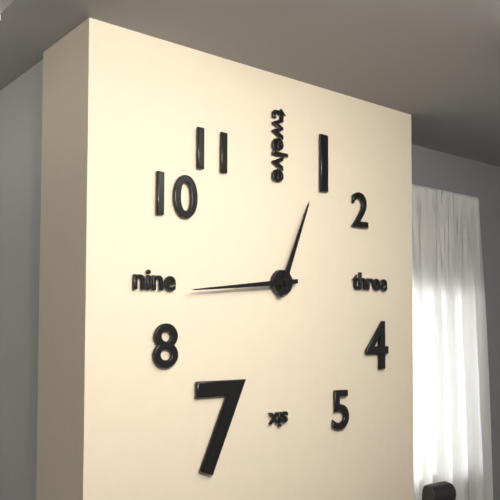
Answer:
12h44
